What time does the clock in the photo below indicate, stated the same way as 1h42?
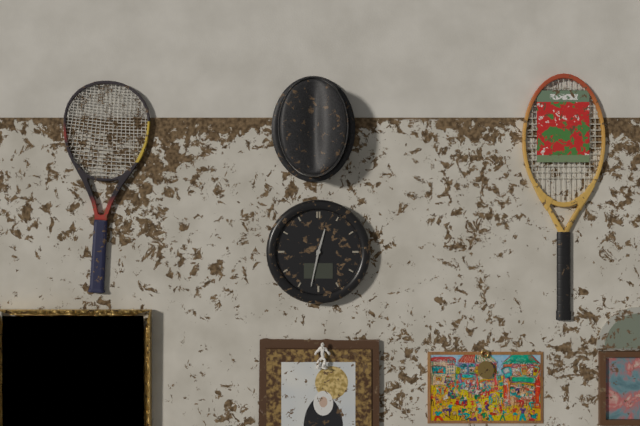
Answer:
12h32
